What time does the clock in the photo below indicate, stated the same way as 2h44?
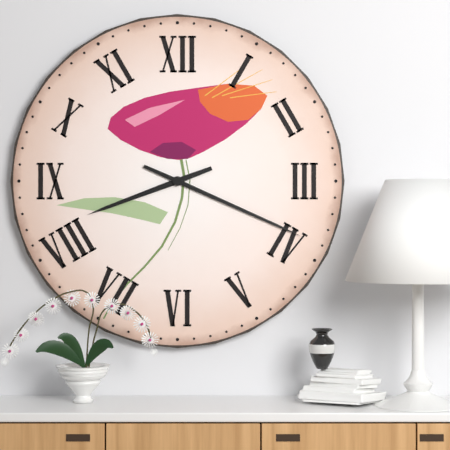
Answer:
8h19
